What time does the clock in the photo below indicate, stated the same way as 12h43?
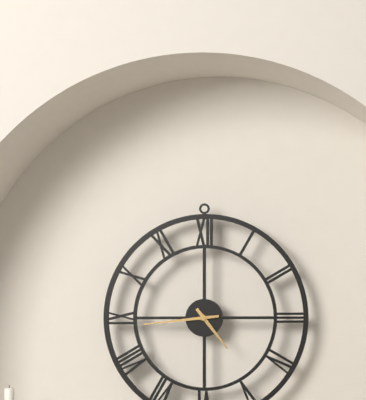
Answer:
4h44
